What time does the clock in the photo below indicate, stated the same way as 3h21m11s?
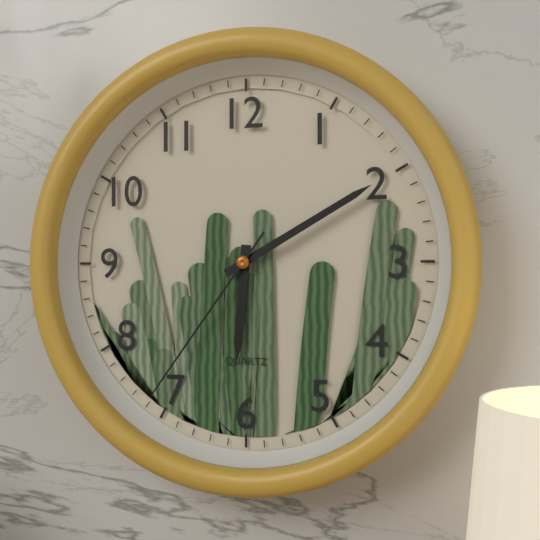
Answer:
6h10m36s
